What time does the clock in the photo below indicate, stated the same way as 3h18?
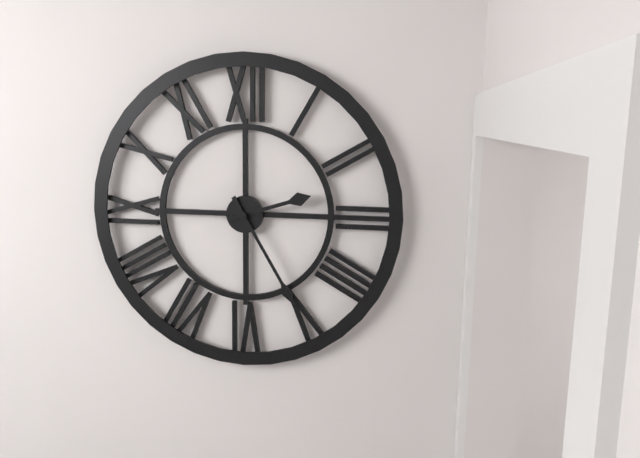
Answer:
2h25
